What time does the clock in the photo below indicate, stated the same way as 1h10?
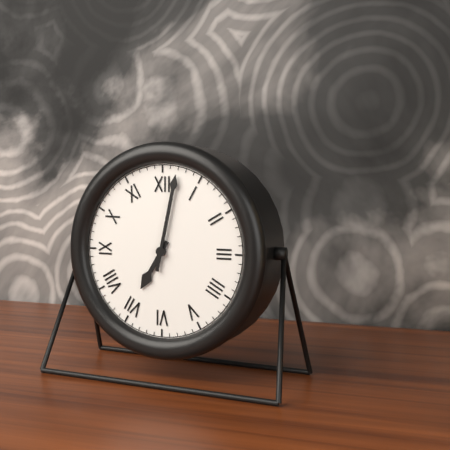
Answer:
7h02
